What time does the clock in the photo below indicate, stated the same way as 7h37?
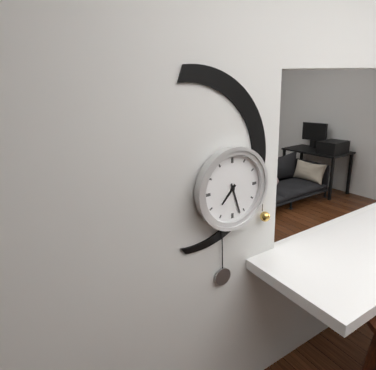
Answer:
7h27
